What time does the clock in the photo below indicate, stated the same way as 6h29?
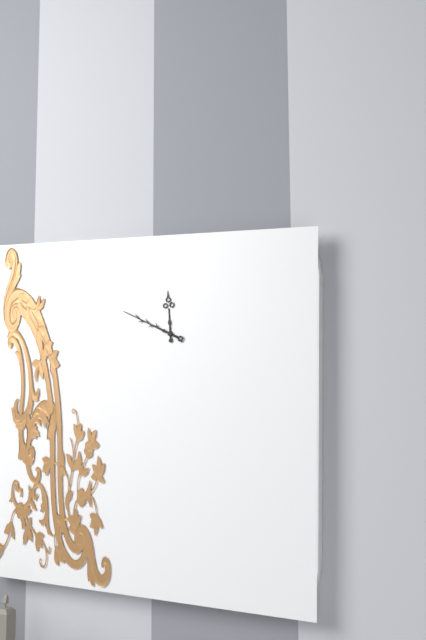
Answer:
11h49
